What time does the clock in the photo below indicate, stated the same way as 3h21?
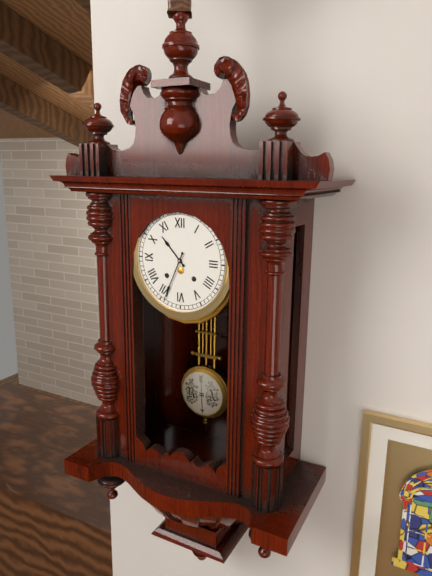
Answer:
10h34
